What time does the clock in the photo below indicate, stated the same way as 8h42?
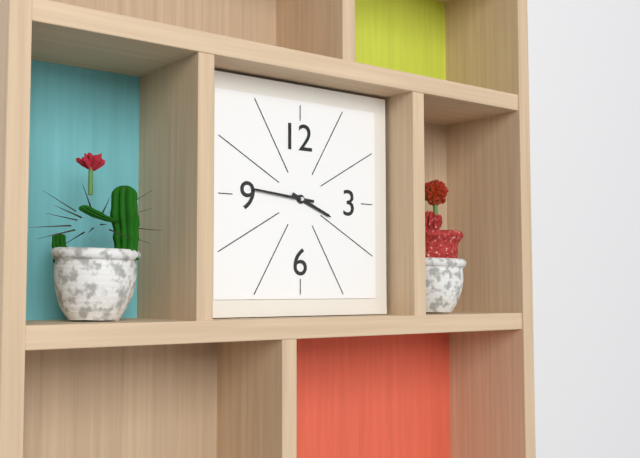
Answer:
3h46
